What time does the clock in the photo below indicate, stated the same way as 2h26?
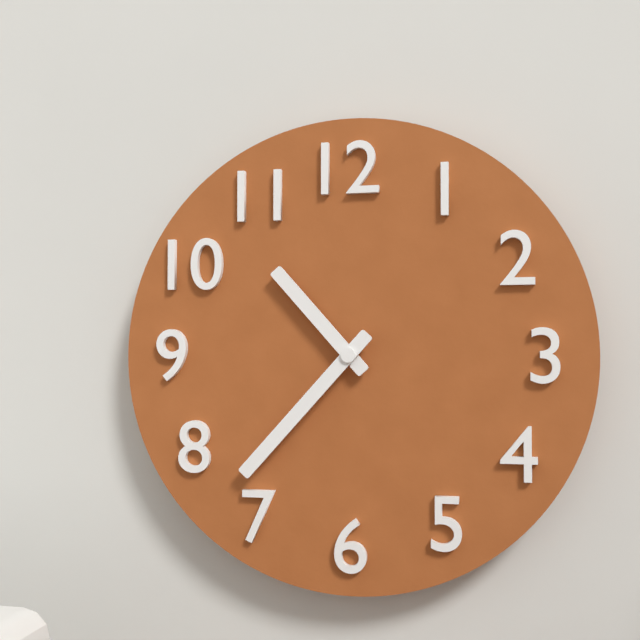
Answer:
10h37
